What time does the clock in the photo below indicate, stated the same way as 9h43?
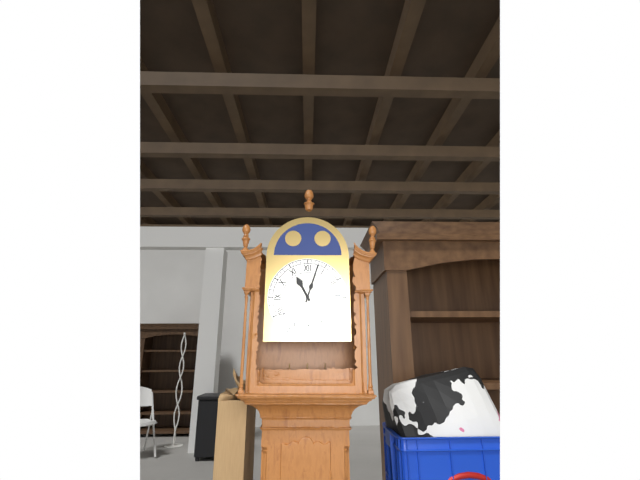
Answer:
11h03
